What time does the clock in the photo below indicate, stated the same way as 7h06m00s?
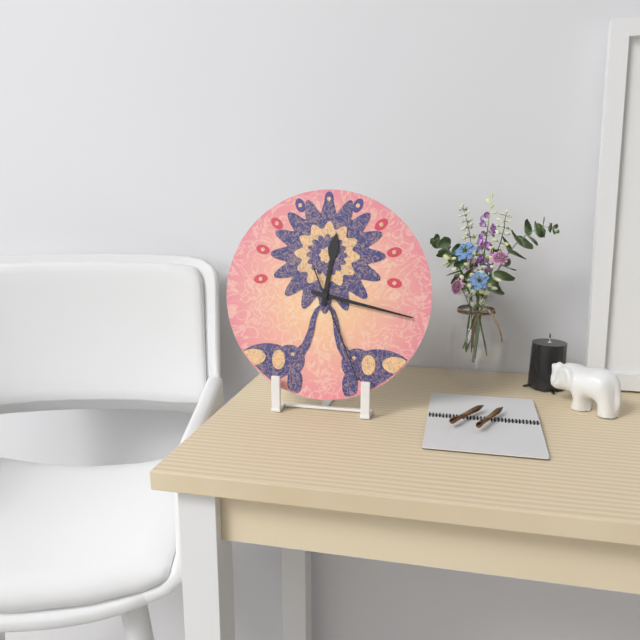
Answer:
12h17m26s
